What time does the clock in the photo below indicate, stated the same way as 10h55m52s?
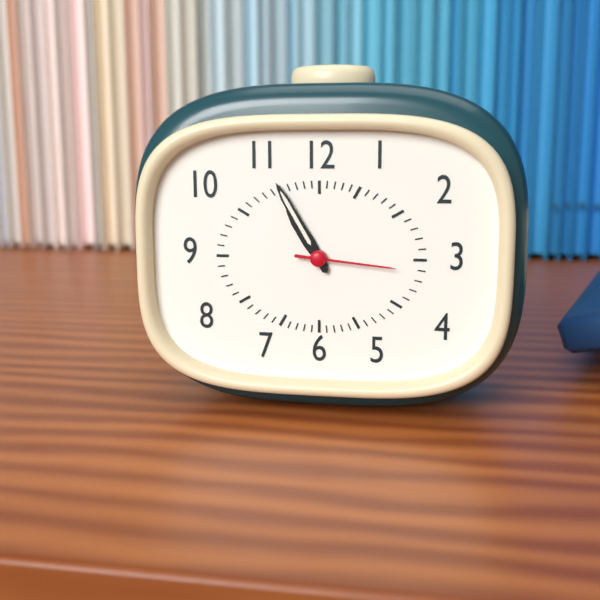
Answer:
10h55m16s
